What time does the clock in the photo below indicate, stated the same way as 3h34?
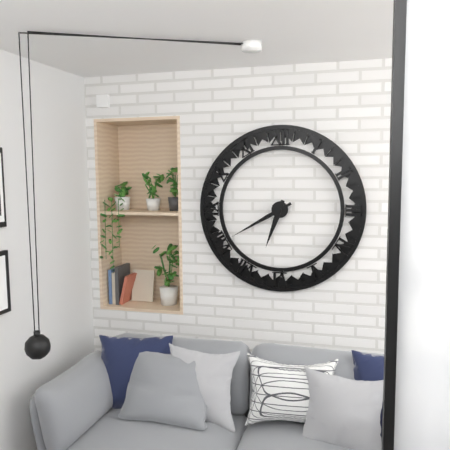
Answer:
6h40
